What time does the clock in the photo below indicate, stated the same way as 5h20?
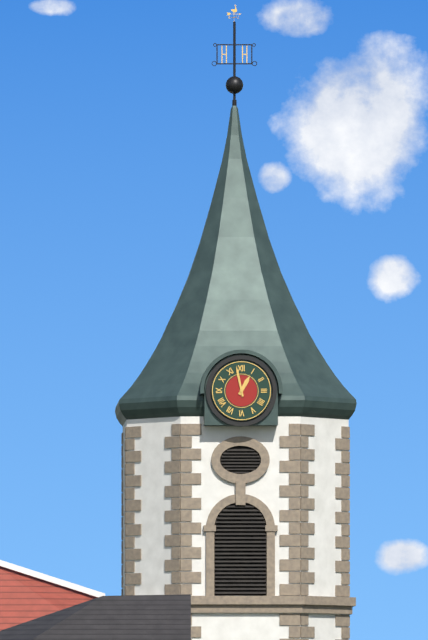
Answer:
12h58
